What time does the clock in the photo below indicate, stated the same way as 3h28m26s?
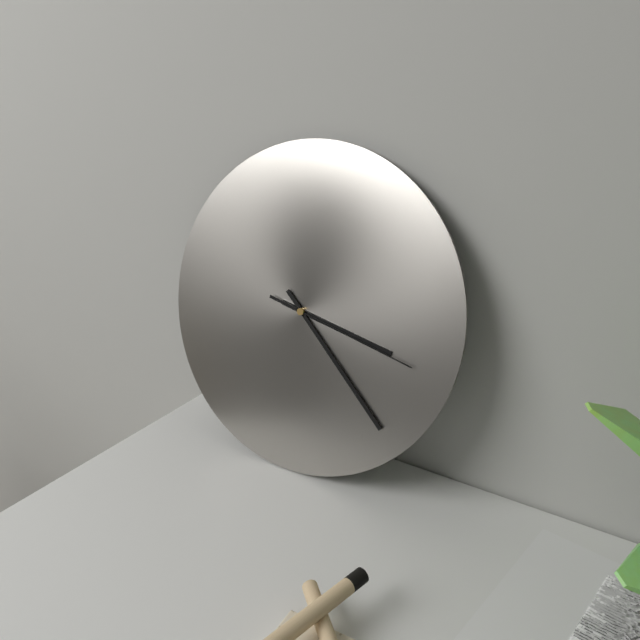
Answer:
3h22m17s
